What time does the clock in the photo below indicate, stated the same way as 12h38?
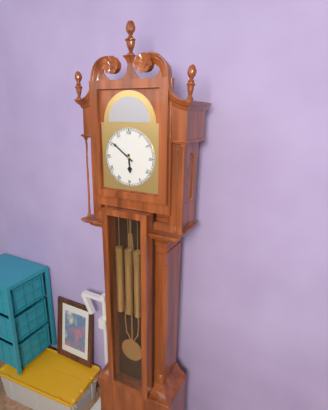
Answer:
5h51
